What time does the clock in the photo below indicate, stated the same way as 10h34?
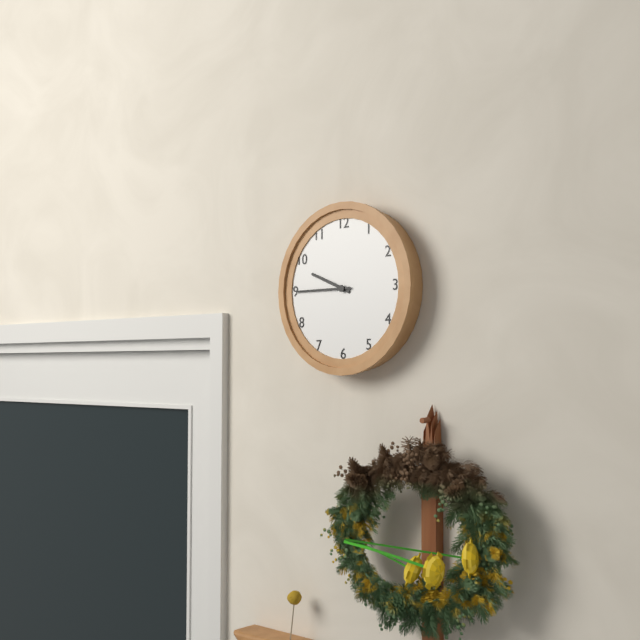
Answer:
9h45
